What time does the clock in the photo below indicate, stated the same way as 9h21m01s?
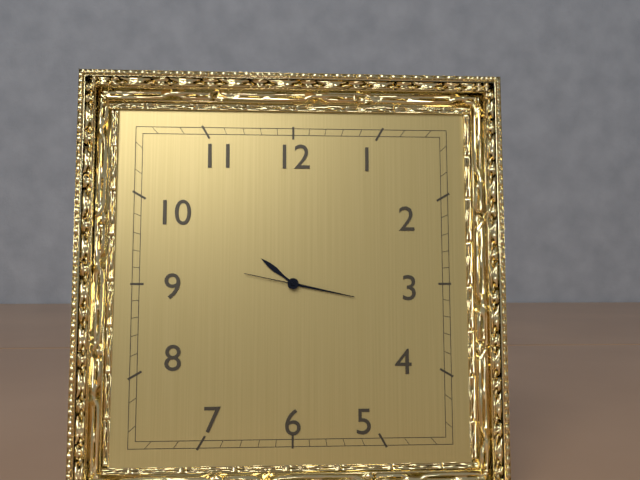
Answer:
10h17m47s
